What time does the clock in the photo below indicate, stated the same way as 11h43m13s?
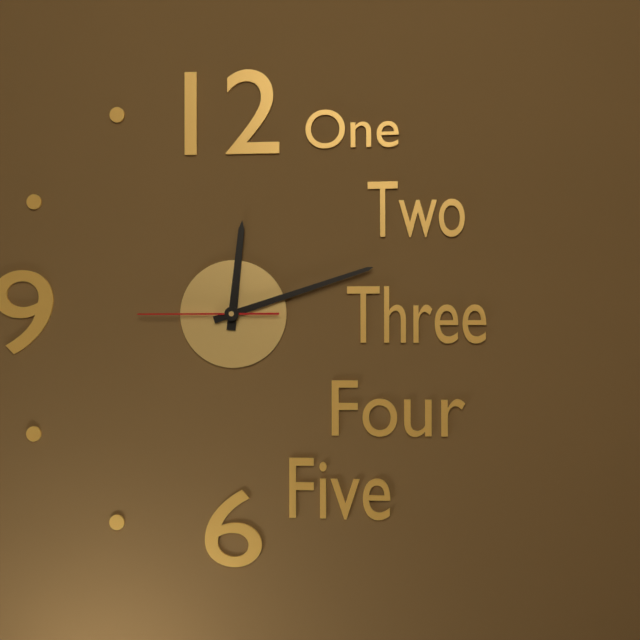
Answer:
12h12m45s
